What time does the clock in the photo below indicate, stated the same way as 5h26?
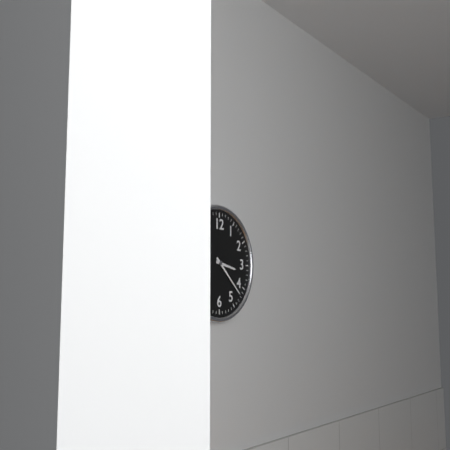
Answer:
3h22
